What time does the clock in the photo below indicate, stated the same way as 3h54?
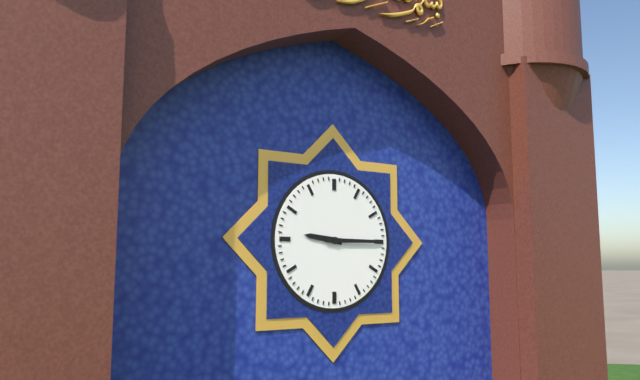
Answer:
9h15
